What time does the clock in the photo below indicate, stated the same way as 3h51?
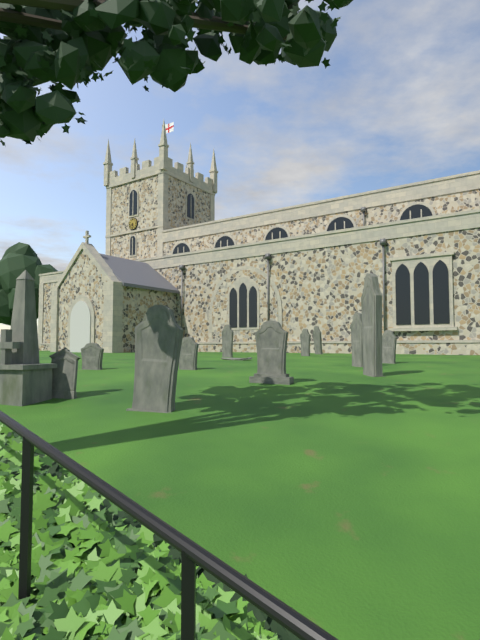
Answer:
5h38
